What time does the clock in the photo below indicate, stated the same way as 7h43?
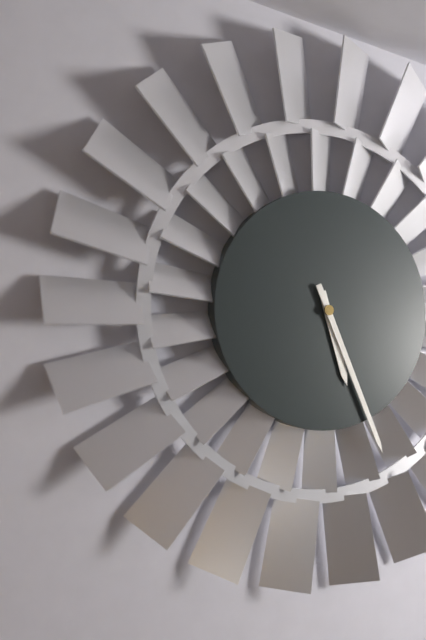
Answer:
5h26
